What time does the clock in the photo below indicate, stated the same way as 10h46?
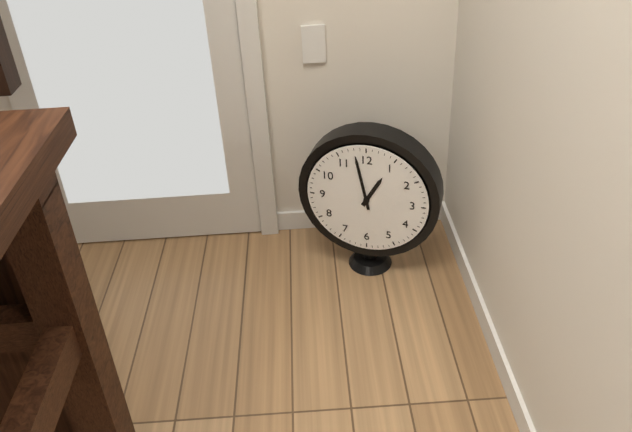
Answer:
12h58
